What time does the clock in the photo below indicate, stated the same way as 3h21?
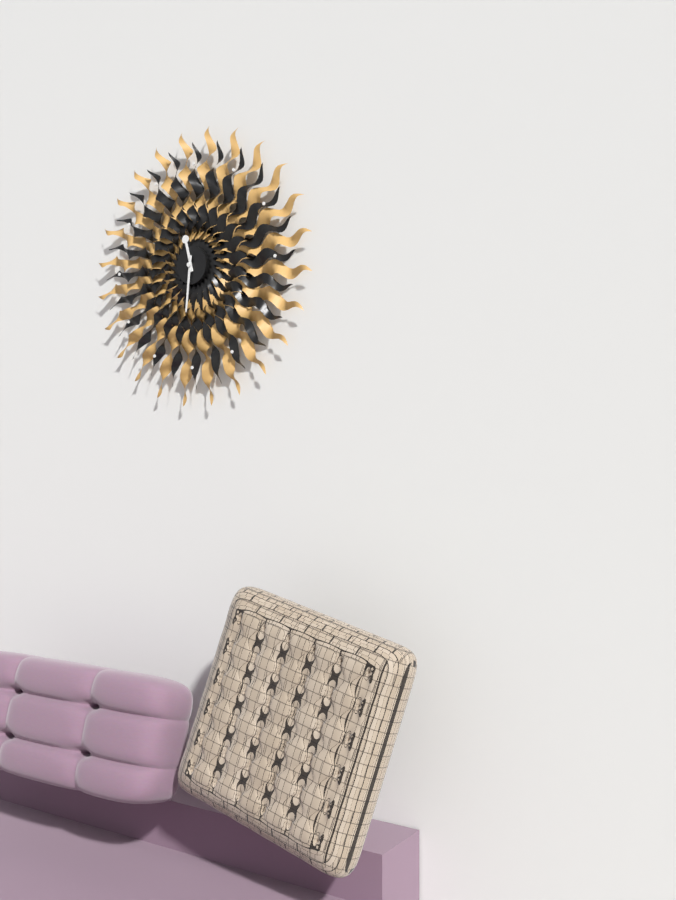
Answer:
11h31
